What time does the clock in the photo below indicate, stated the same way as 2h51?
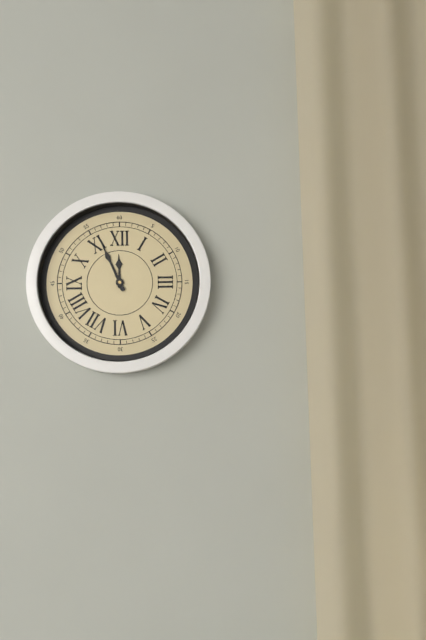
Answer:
11h56
